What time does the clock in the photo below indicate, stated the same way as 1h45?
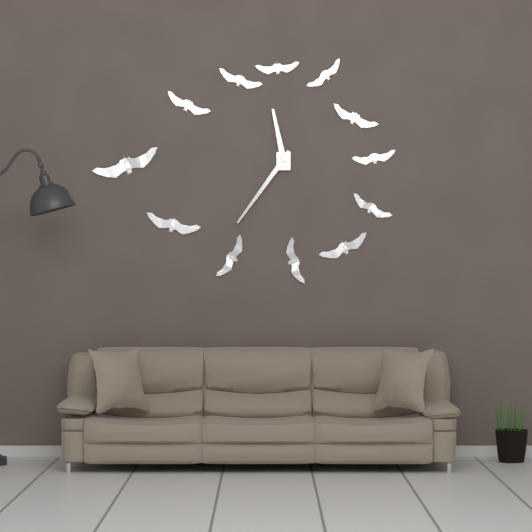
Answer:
11h36
